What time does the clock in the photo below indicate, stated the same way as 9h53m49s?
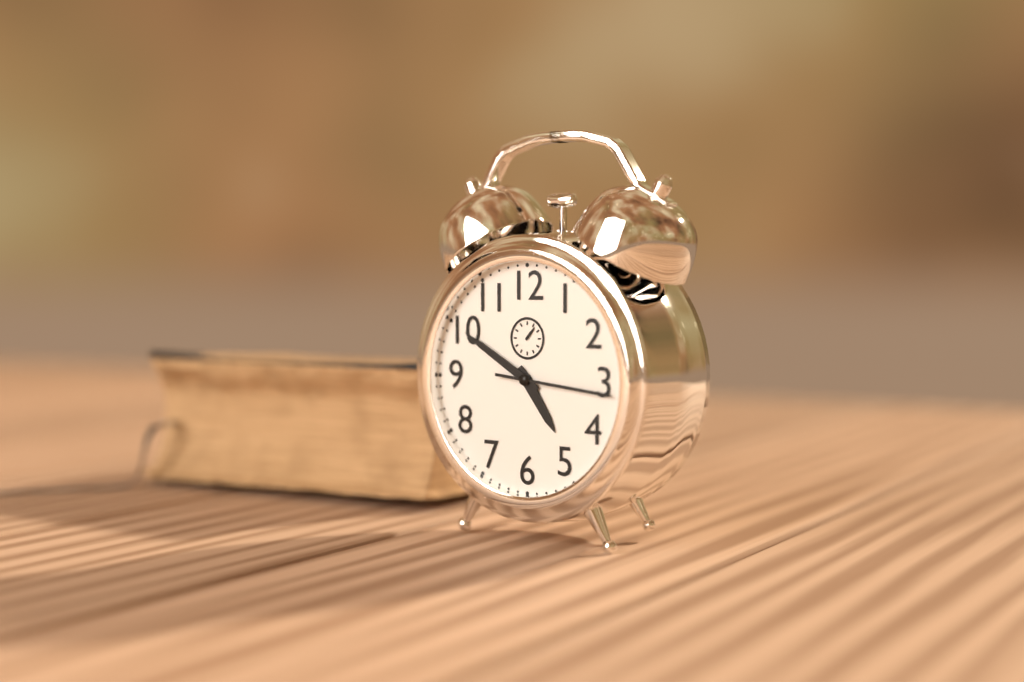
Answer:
4h50m16s
